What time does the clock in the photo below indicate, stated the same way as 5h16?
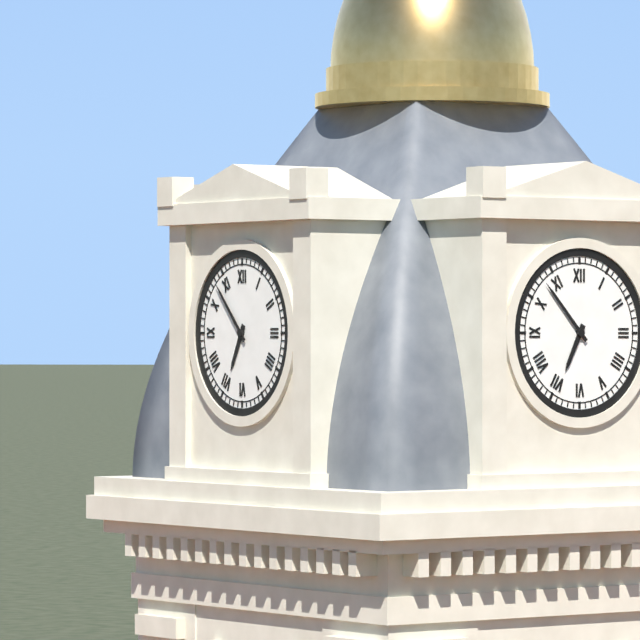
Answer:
6h53
